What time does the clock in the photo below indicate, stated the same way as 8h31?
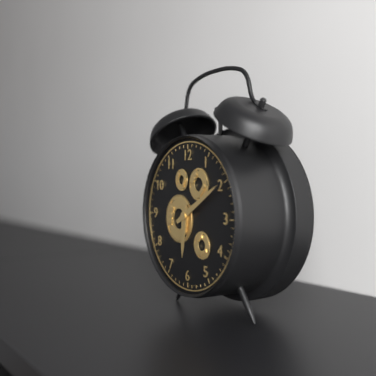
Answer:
6h10
